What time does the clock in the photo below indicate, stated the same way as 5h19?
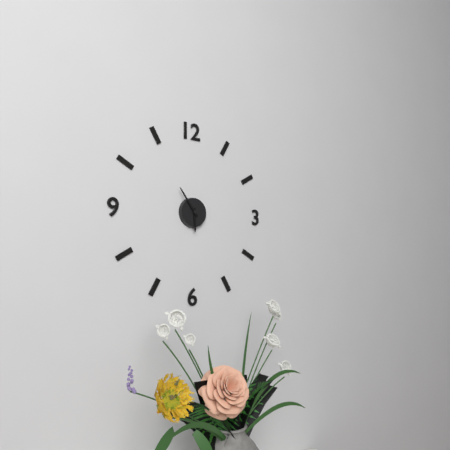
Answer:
5h54
